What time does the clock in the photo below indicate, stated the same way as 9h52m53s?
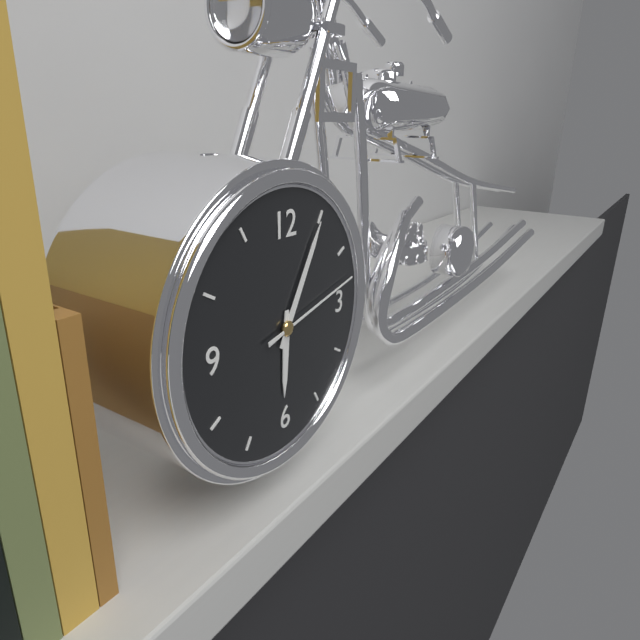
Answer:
6h05m13s
